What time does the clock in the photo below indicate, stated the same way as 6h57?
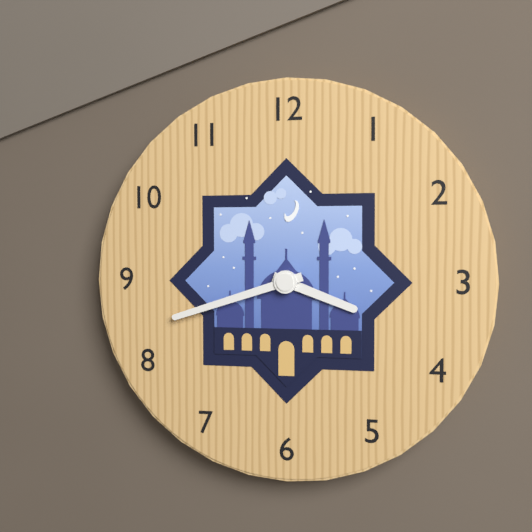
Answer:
3h42
